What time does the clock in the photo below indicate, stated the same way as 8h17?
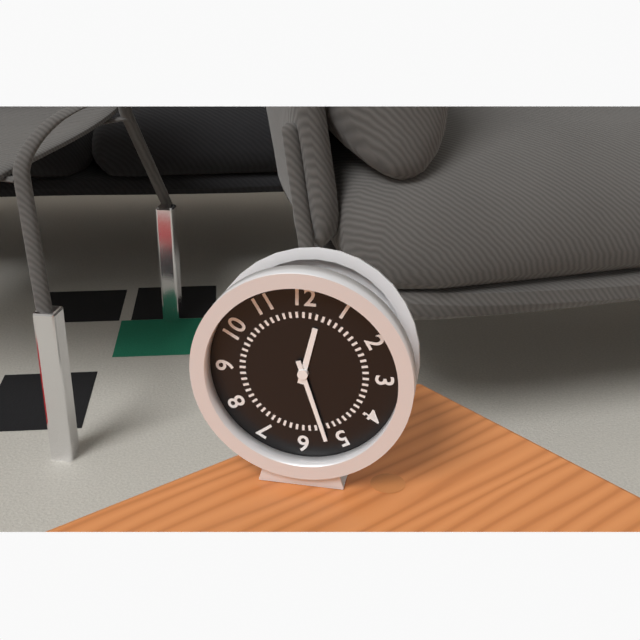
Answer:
12h27
